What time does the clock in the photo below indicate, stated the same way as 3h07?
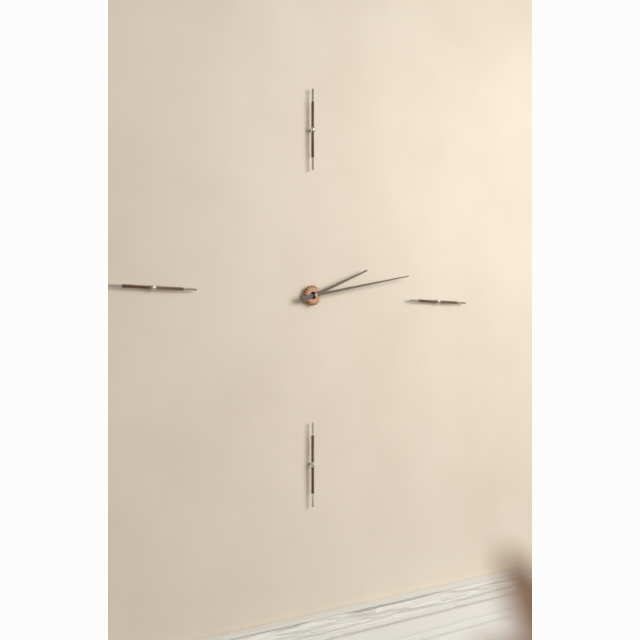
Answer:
2h13
